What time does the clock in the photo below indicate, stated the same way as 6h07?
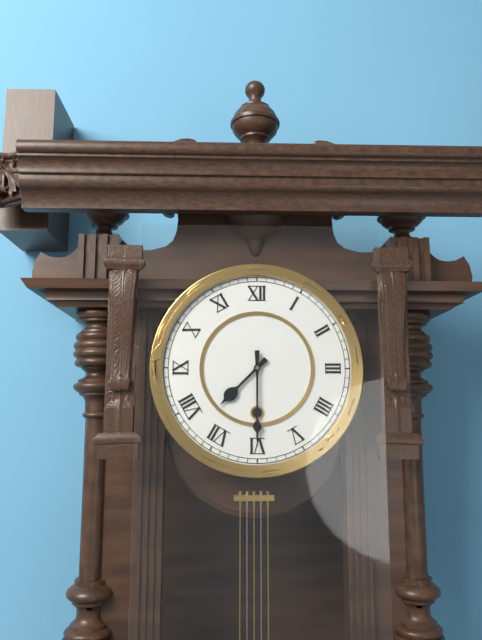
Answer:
7h30
